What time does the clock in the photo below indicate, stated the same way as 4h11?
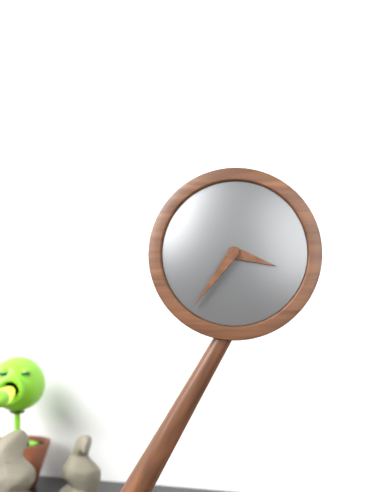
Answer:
3h36
